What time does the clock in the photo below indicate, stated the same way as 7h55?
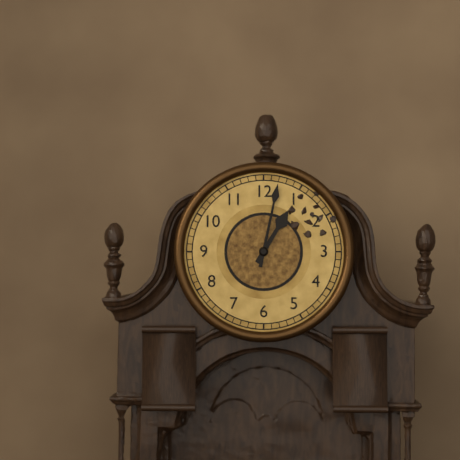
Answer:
1h02
